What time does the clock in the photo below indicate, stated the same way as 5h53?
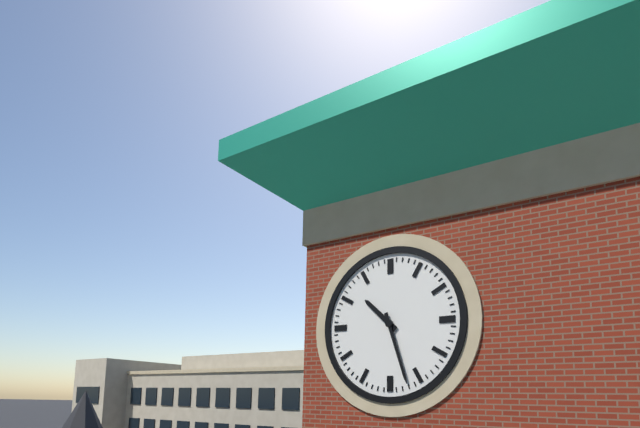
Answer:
10h27
